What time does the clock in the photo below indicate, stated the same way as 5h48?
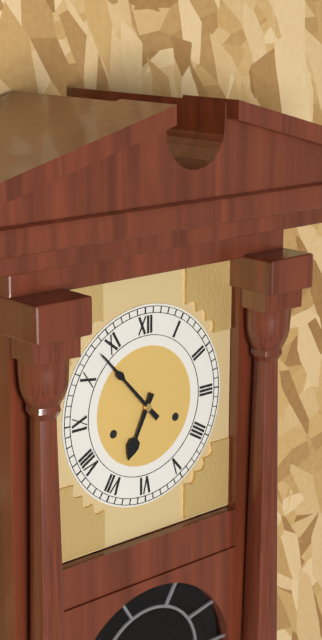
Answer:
6h53
